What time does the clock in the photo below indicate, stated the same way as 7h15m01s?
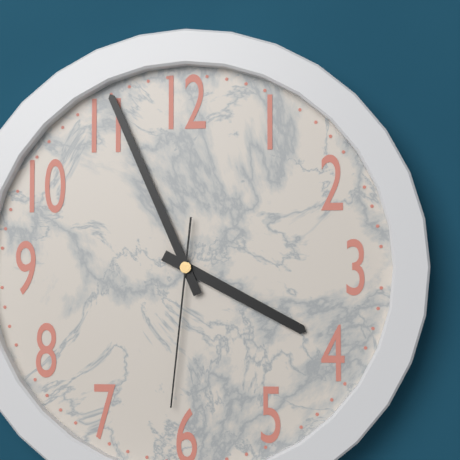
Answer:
3h56m31s
